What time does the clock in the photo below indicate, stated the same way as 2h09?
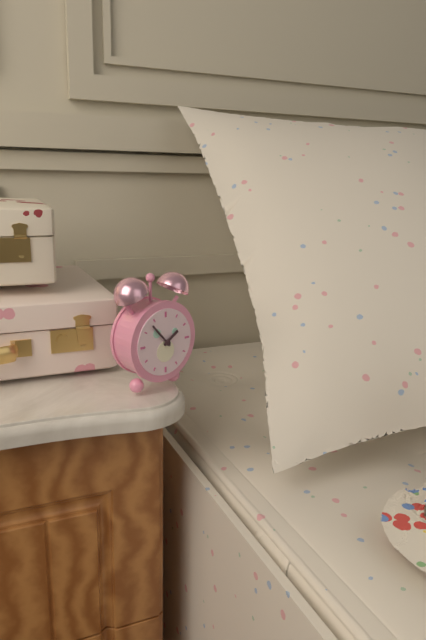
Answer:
1h53
